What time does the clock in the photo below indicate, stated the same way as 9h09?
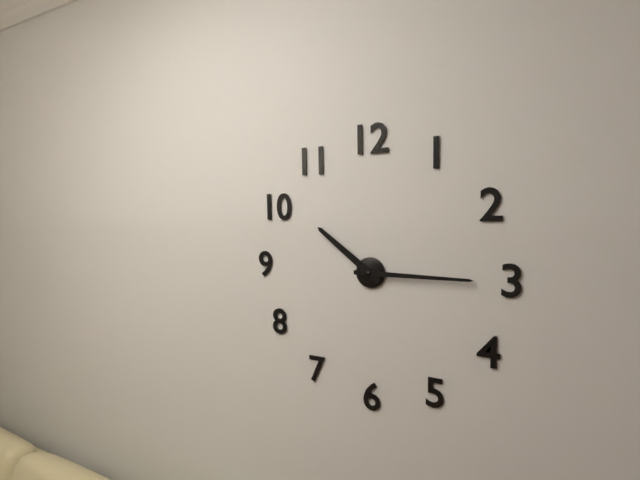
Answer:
10h15
